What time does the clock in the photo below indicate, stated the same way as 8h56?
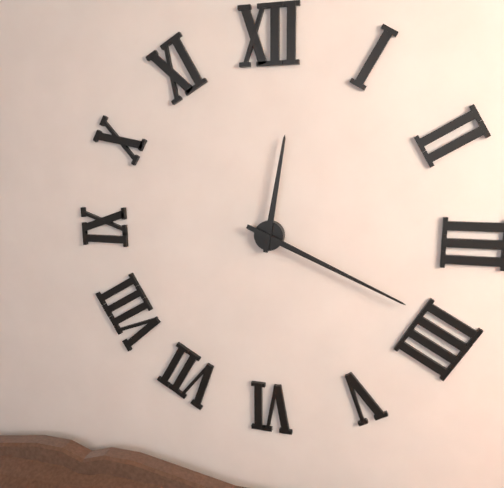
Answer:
12h19
